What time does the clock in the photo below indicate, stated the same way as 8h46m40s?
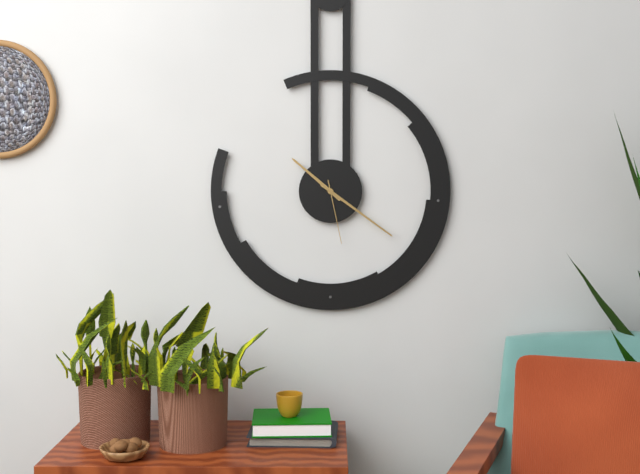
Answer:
10h21m28s
